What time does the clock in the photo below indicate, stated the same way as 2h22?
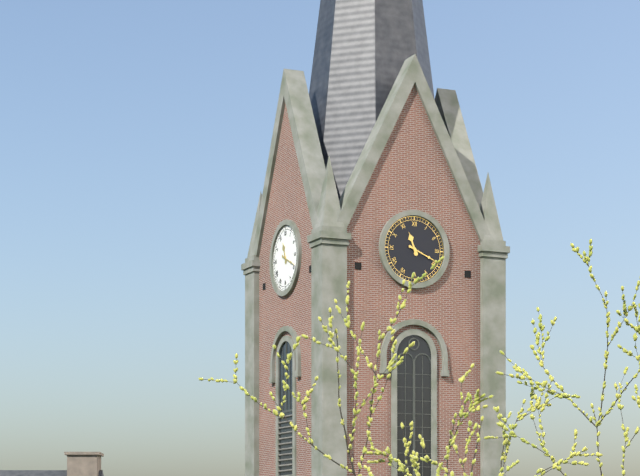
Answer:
11h19
